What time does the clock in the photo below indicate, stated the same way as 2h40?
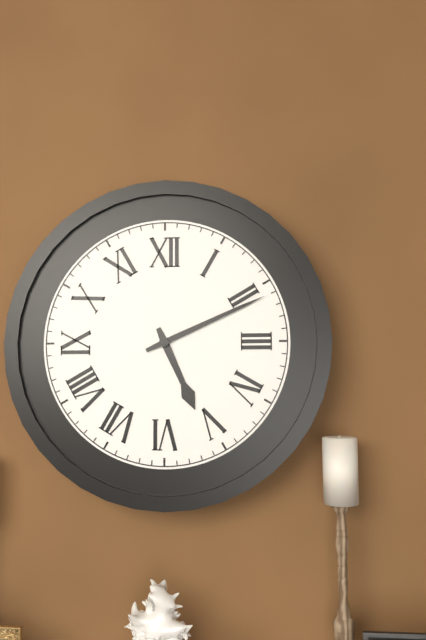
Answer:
5h11
